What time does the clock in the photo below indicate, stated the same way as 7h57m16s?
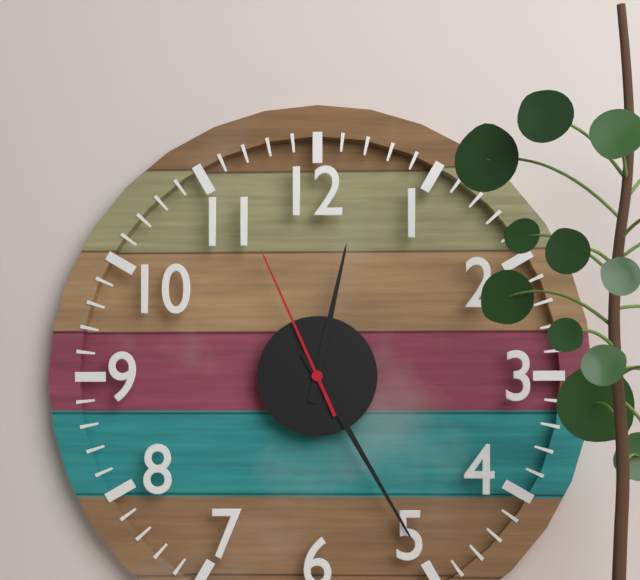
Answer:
12h25m56s
